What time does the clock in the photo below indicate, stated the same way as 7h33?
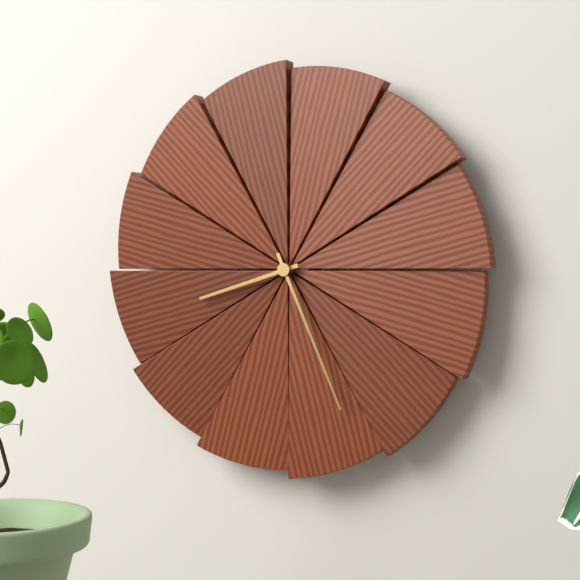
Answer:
8h26
